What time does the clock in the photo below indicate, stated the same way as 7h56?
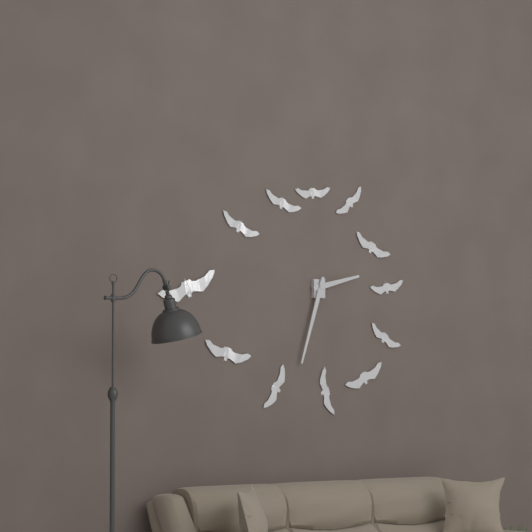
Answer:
2h33
